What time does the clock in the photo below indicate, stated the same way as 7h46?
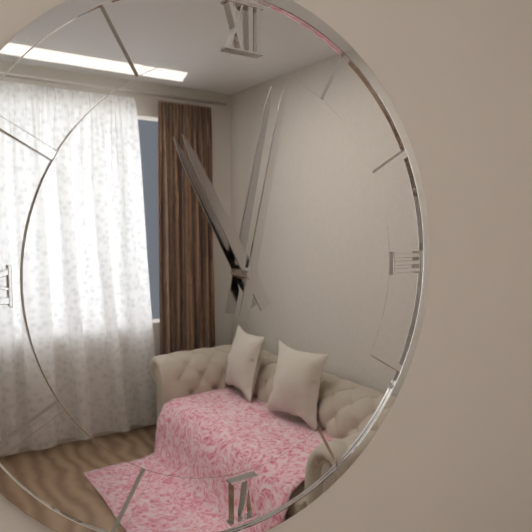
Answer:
11h02
